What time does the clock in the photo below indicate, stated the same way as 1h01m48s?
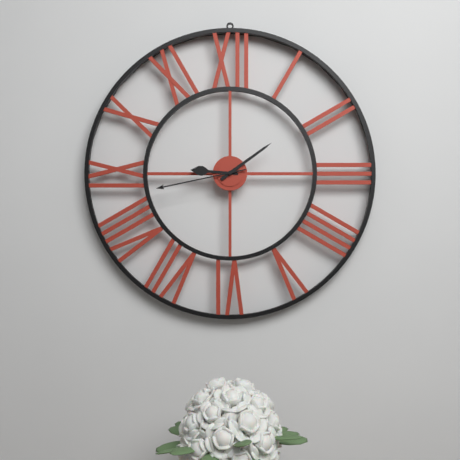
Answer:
9h09m43s
